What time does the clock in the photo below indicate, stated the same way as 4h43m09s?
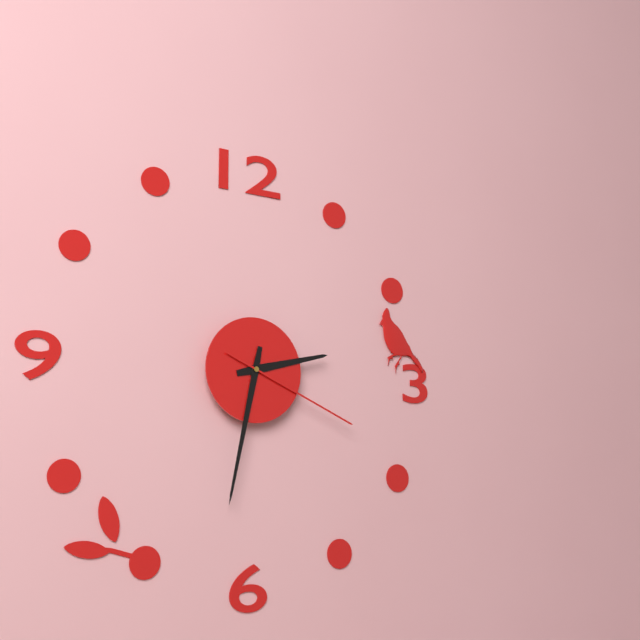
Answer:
2h32m19s
